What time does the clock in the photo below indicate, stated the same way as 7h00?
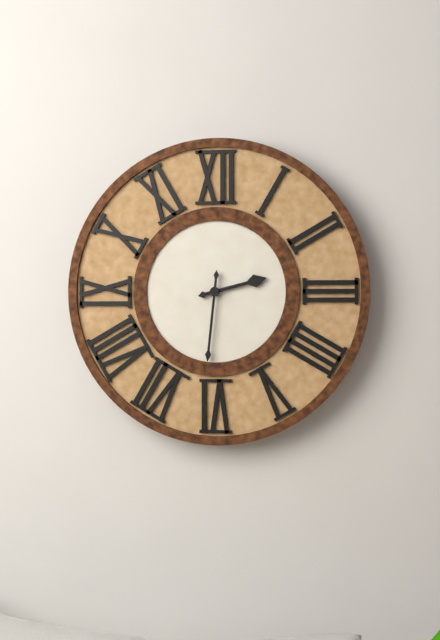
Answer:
2h31
